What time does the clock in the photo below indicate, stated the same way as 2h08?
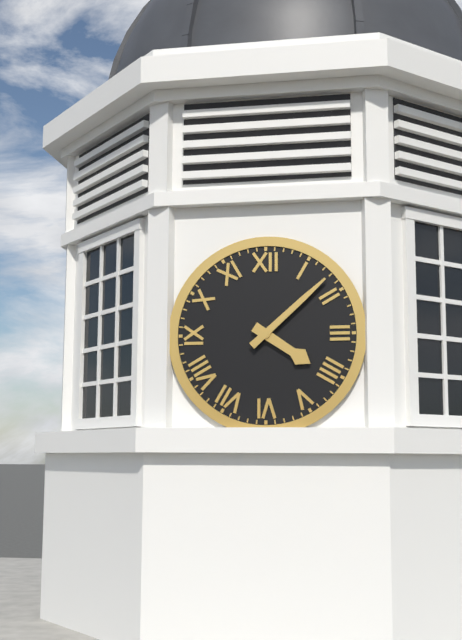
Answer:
4h08
